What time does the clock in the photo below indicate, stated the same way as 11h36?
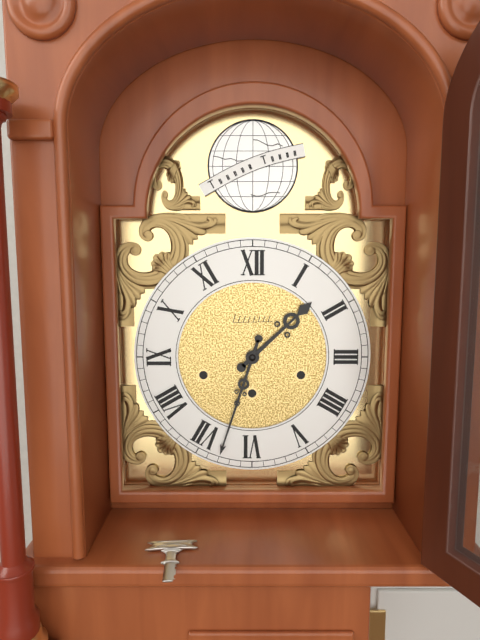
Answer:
1h33
